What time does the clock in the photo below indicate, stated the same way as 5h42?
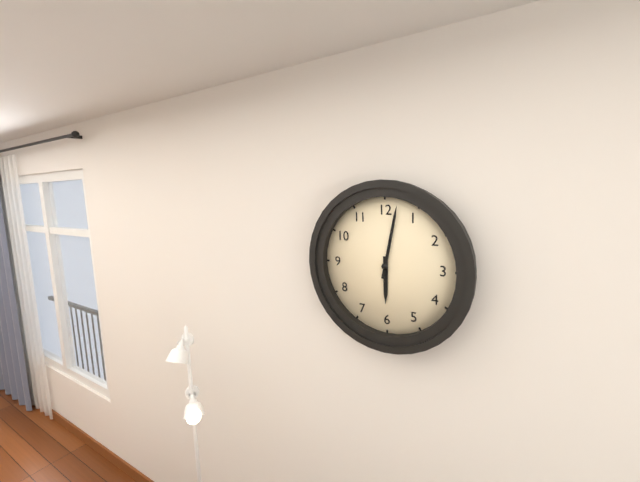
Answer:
6h02
